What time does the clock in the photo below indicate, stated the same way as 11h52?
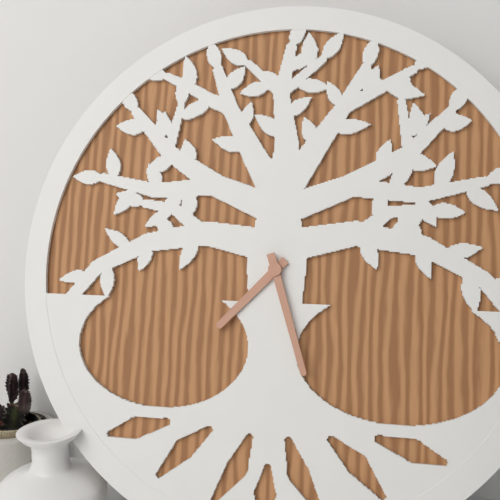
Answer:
7h27
